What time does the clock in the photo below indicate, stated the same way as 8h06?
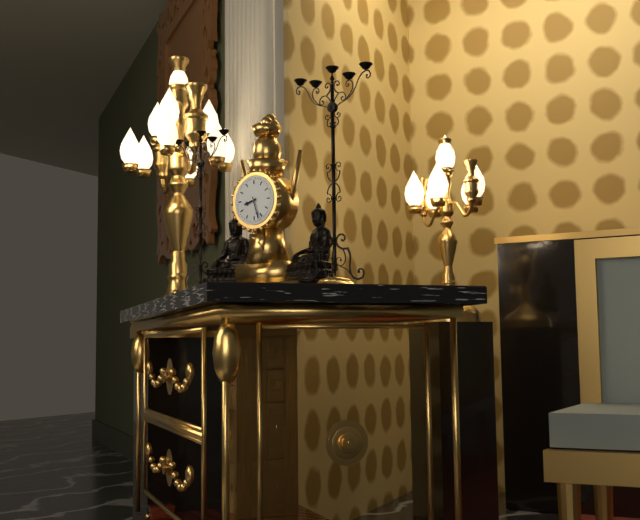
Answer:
8h27
